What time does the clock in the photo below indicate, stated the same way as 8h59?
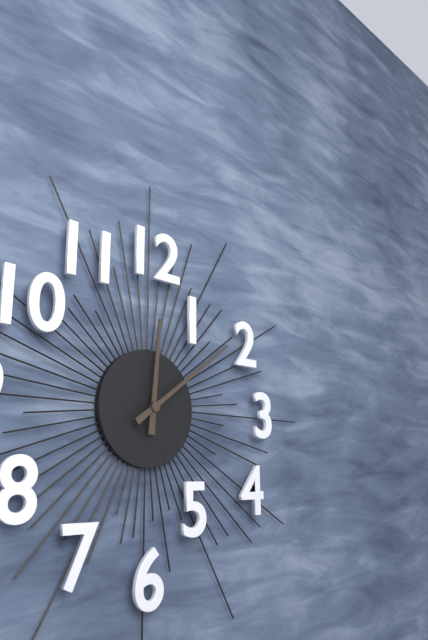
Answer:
12h09
